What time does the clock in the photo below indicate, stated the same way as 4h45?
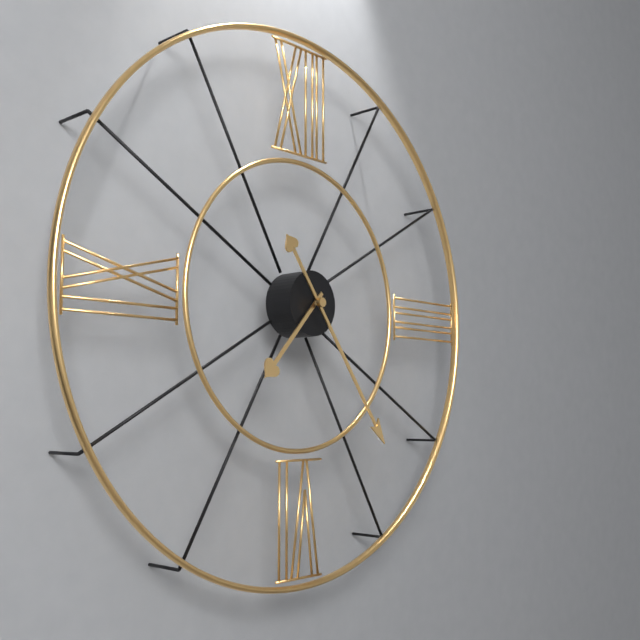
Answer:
7h24
